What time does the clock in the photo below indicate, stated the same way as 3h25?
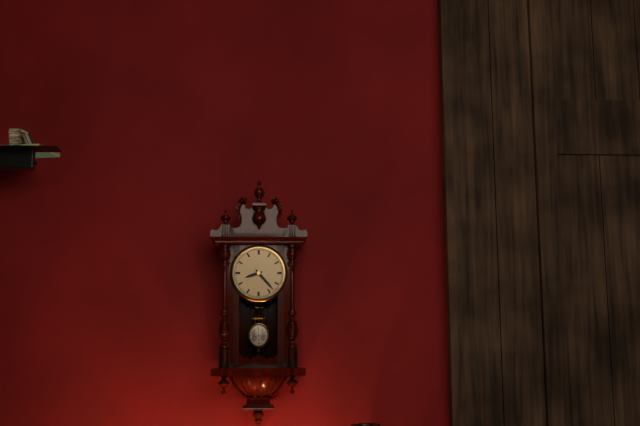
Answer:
8h23
